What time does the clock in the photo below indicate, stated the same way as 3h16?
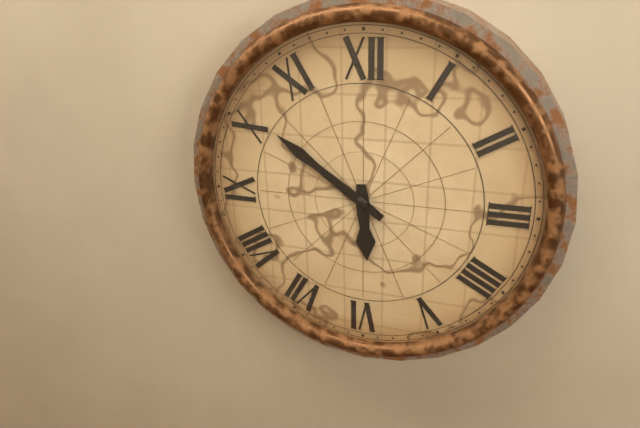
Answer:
5h51
